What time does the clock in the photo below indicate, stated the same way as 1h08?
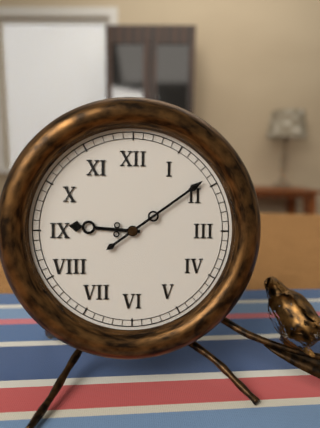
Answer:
9h09
